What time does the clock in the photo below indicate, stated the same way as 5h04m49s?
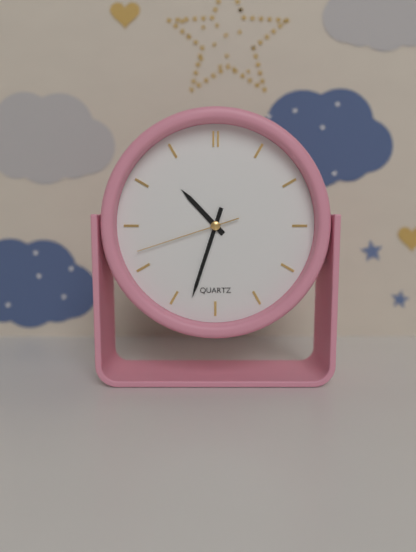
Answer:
10h33m42s
